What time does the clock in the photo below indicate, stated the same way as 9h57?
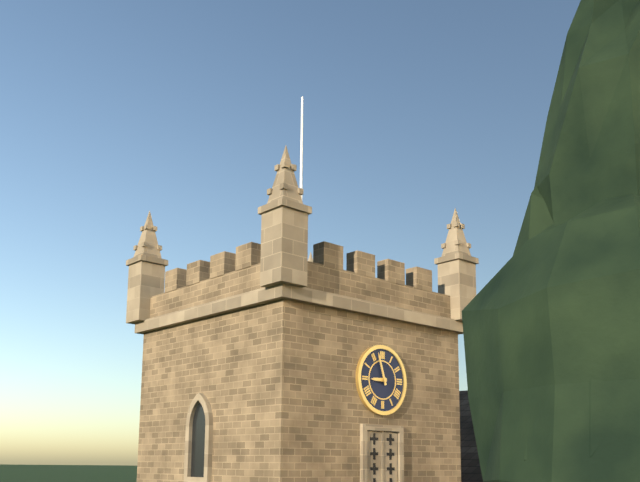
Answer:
8h57
